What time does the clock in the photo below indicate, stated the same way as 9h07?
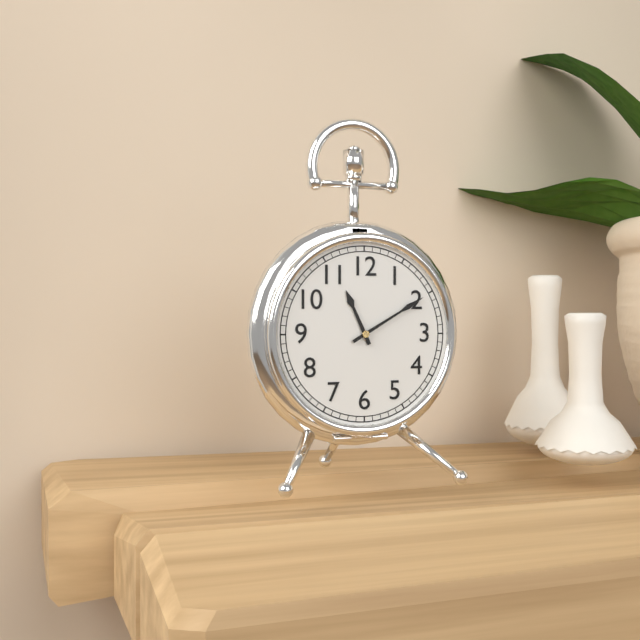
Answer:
11h10
